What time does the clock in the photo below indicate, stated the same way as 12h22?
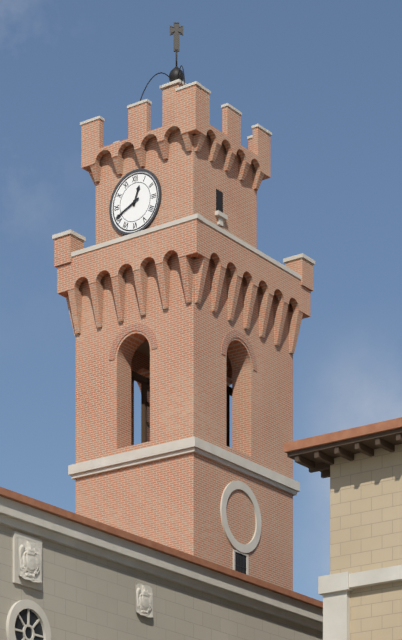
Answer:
12h41
